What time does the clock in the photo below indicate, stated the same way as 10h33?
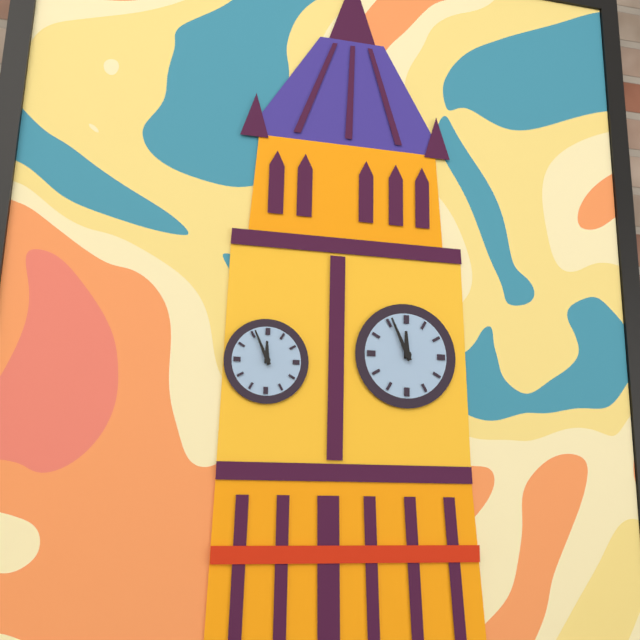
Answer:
11h56
